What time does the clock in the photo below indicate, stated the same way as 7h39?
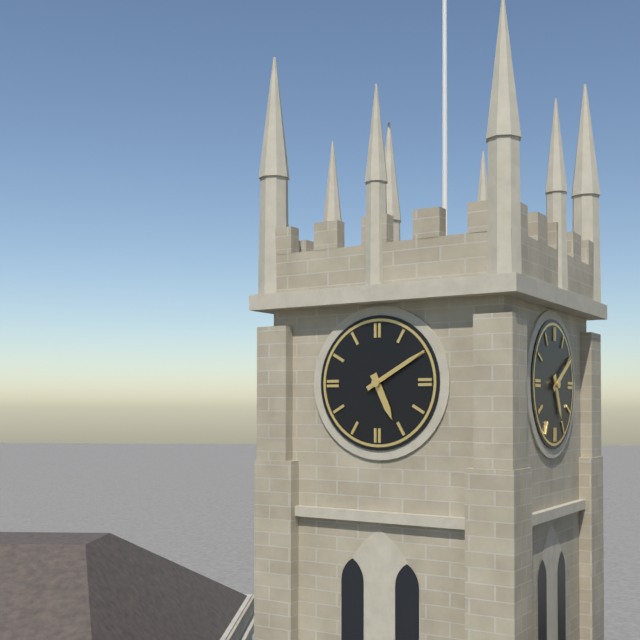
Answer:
5h10
